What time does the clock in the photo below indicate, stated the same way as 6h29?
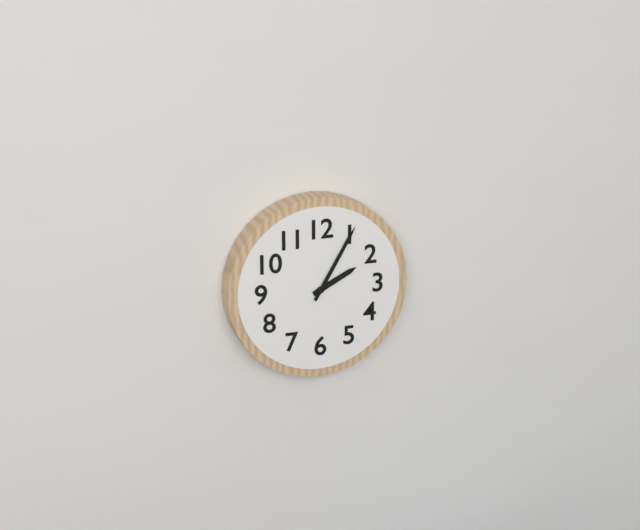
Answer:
2h05
